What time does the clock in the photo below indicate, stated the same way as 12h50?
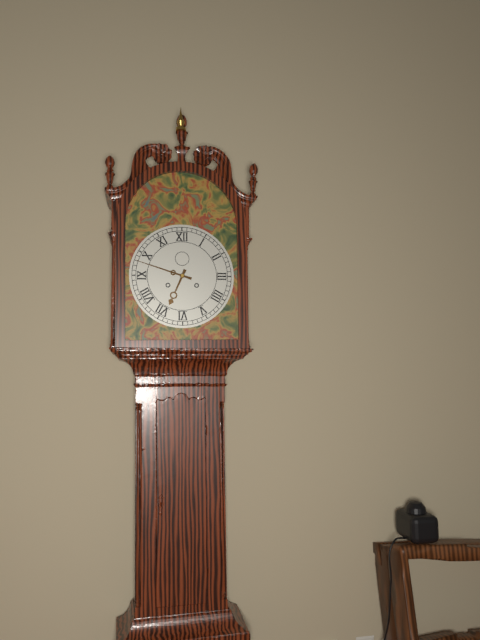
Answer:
6h48
